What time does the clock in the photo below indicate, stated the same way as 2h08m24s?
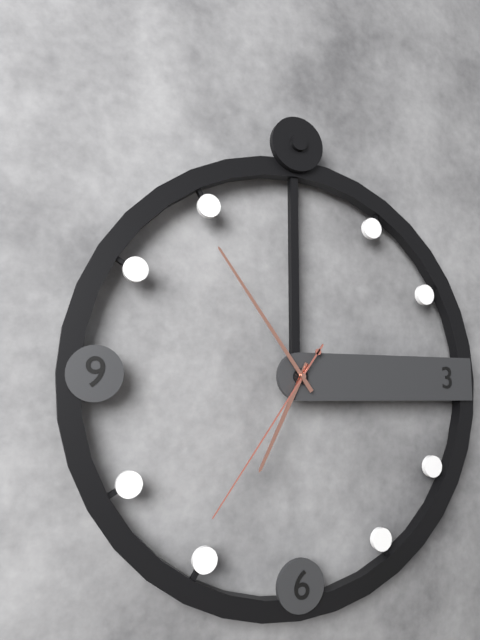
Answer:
6h54m36s
